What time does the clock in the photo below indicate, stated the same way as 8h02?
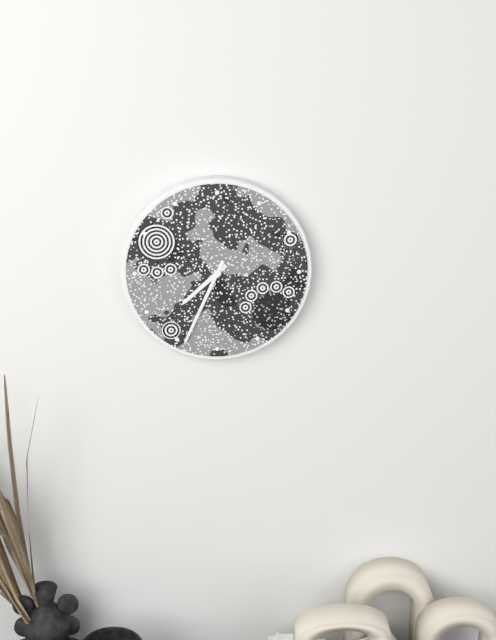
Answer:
7h34
